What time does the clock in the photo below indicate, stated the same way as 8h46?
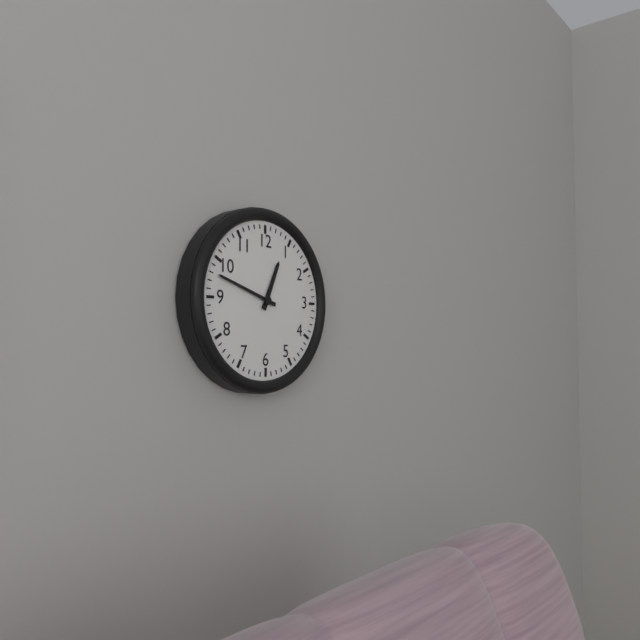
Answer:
12h48
